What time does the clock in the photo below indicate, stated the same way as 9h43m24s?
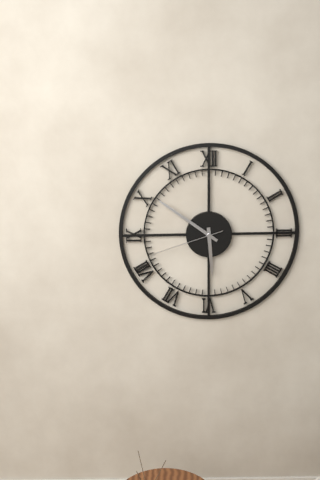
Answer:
5h51m42s
